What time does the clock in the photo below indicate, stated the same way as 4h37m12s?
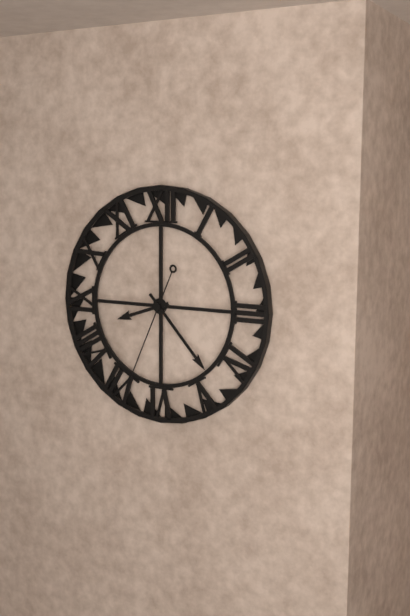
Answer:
8h23m34s
